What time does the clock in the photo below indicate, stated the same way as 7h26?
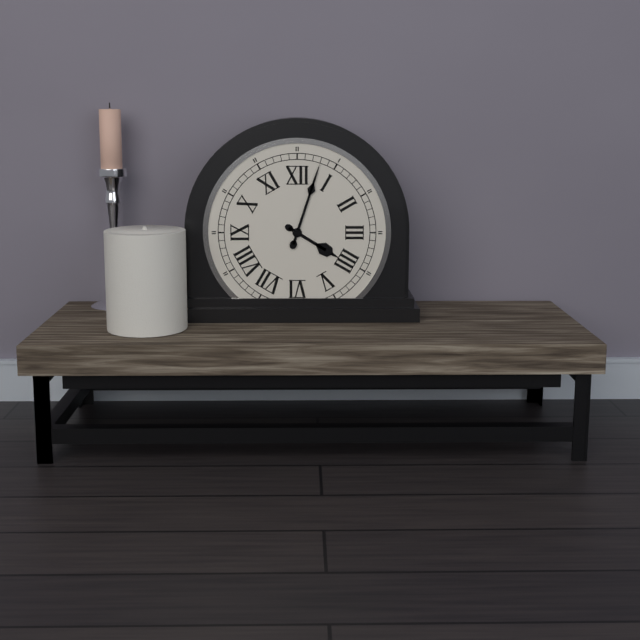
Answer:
4h03
